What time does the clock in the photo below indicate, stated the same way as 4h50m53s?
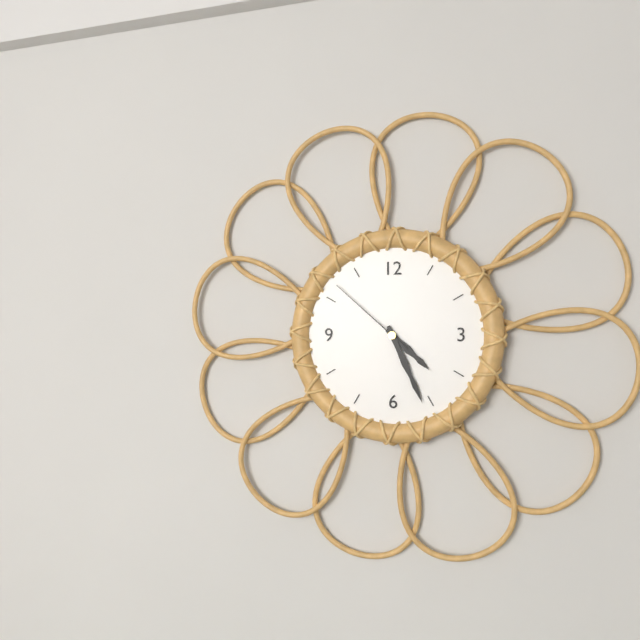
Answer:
4h26m52s
